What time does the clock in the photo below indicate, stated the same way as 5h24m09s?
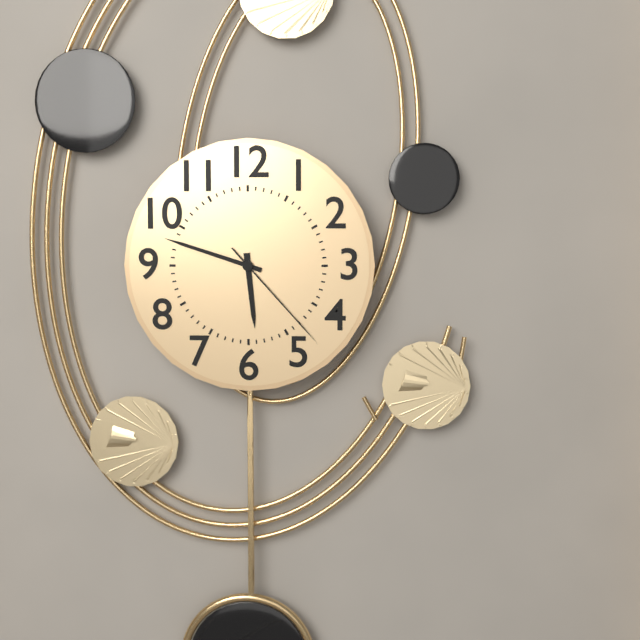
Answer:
5h48m23s
